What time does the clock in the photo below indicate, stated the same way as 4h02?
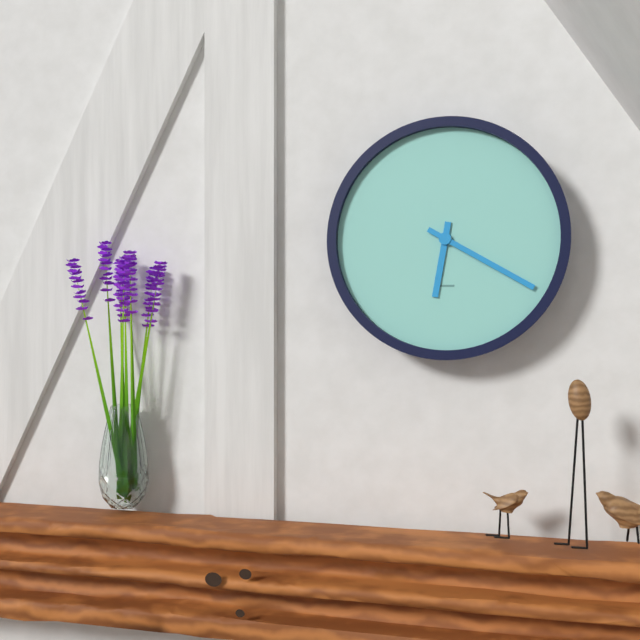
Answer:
6h20
